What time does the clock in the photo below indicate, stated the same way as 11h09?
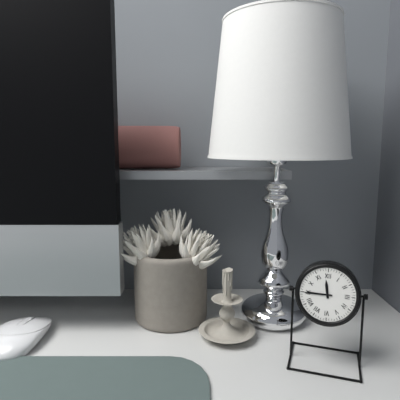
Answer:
11h45
